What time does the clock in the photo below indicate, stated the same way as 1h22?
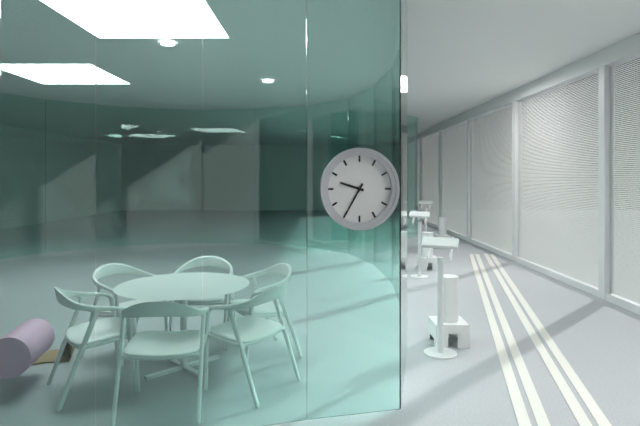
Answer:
9h35
